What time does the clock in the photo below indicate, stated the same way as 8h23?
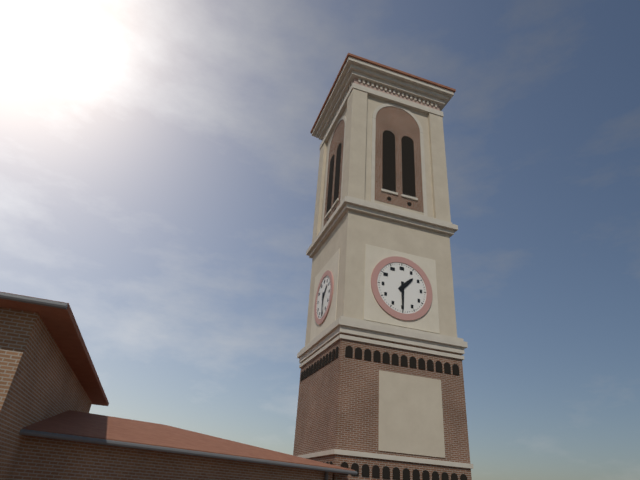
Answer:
1h30
